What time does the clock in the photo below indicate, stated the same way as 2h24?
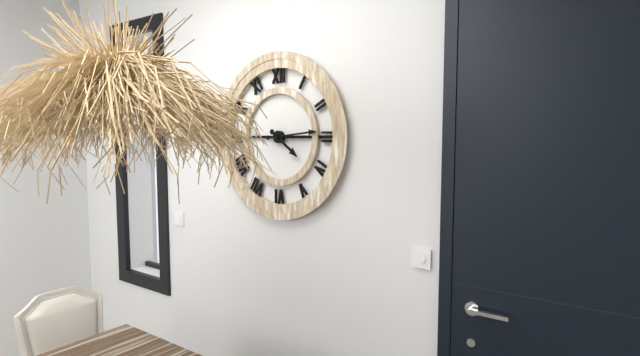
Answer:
4h14
